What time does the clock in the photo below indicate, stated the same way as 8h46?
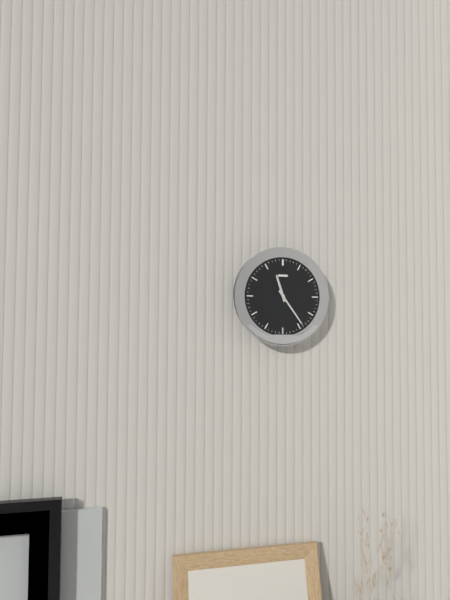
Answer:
11h24
